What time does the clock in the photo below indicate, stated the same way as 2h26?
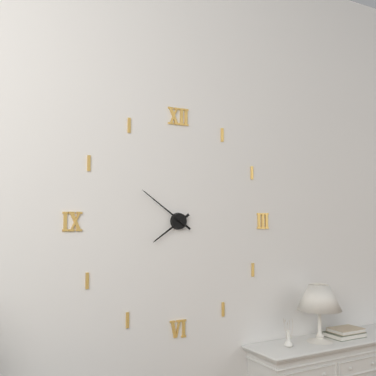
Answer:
7h51
